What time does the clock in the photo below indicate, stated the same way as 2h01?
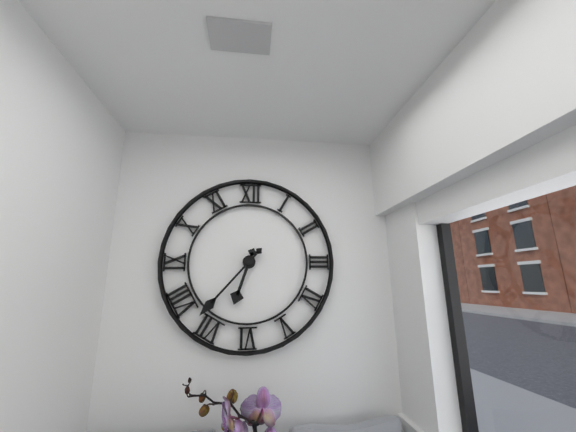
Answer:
6h37
